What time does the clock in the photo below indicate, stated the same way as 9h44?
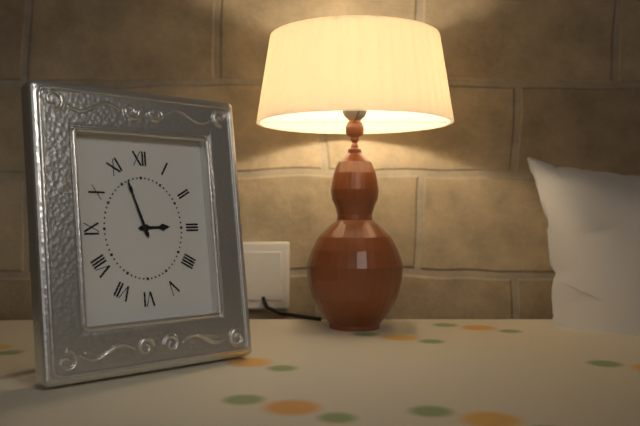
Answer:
2h57
